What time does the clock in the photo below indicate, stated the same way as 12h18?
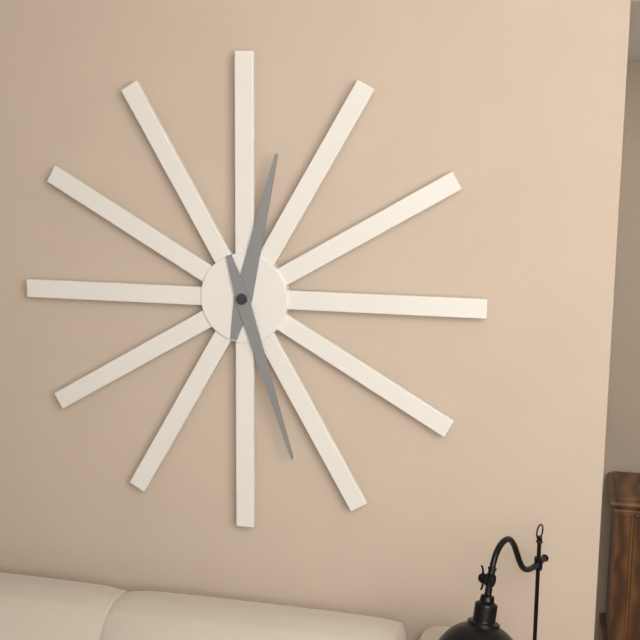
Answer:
12h27
